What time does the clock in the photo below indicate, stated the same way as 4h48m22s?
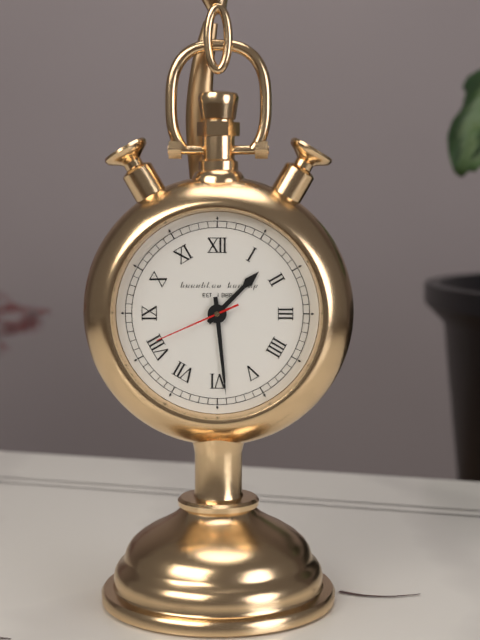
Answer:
1h29m41s
